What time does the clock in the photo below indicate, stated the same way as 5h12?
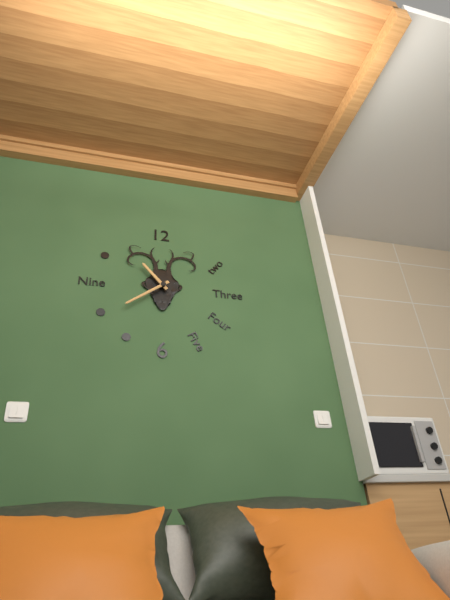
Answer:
10h39
